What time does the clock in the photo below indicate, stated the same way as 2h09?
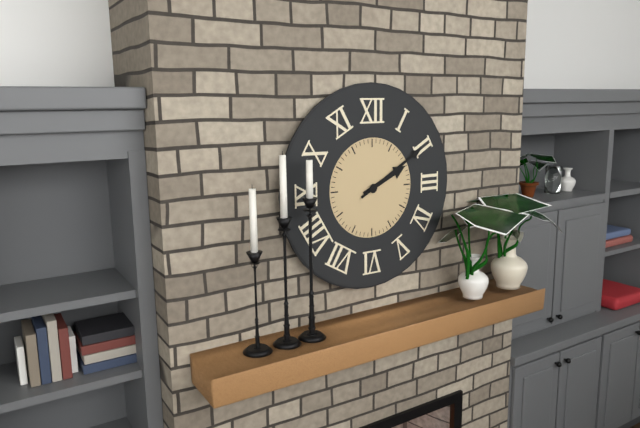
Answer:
2h10
